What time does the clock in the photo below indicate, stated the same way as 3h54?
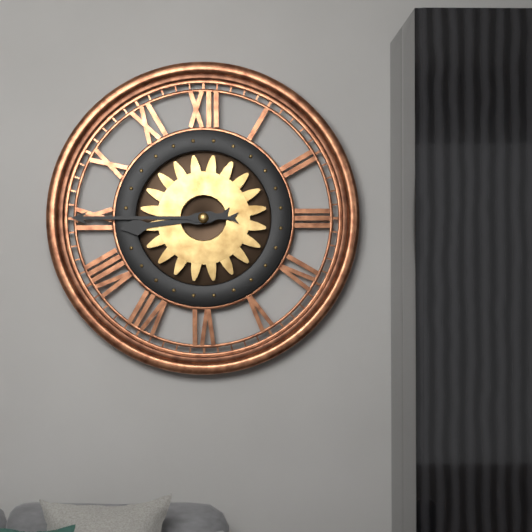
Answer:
8h45
